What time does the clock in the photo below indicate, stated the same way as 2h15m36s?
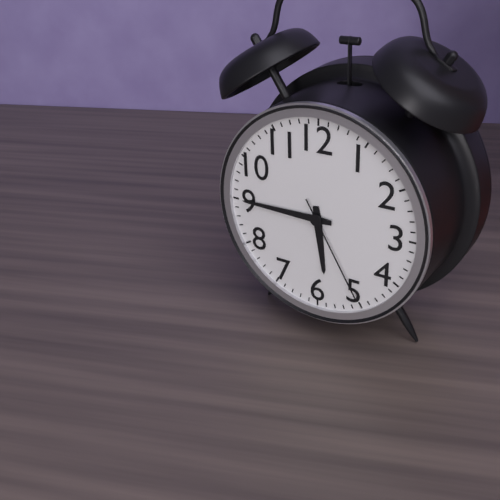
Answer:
5h45m25s
